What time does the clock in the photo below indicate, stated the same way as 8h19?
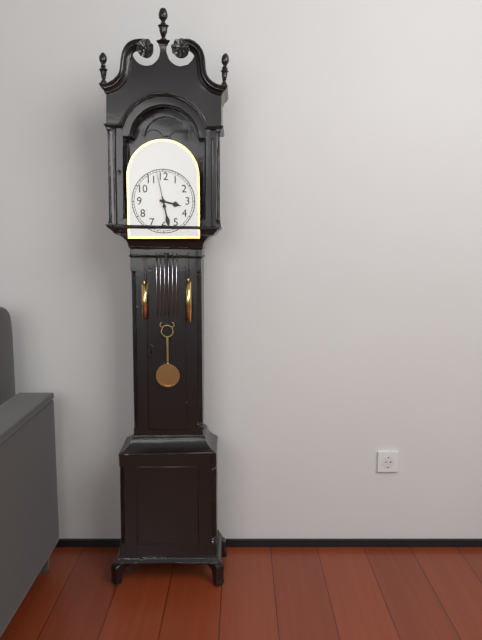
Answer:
3h28
